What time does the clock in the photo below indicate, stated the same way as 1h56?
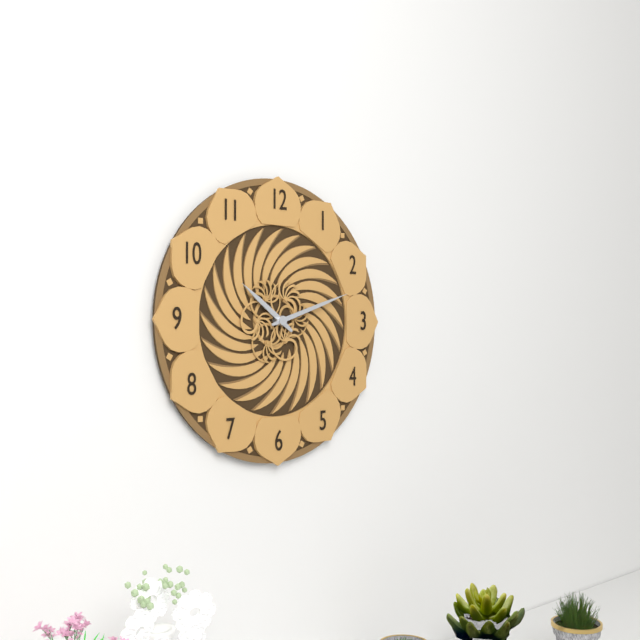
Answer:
10h12
